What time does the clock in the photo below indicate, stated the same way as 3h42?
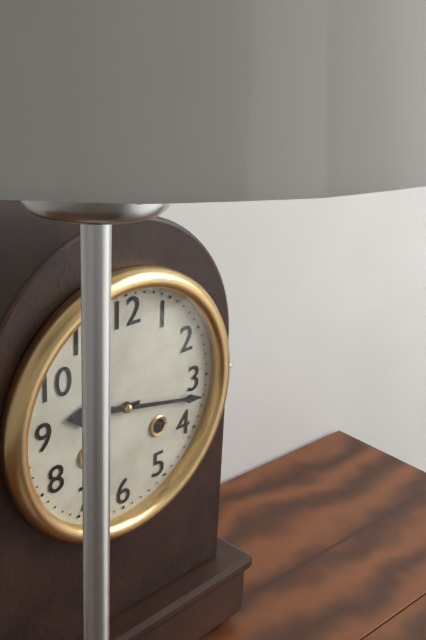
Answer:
9h17
